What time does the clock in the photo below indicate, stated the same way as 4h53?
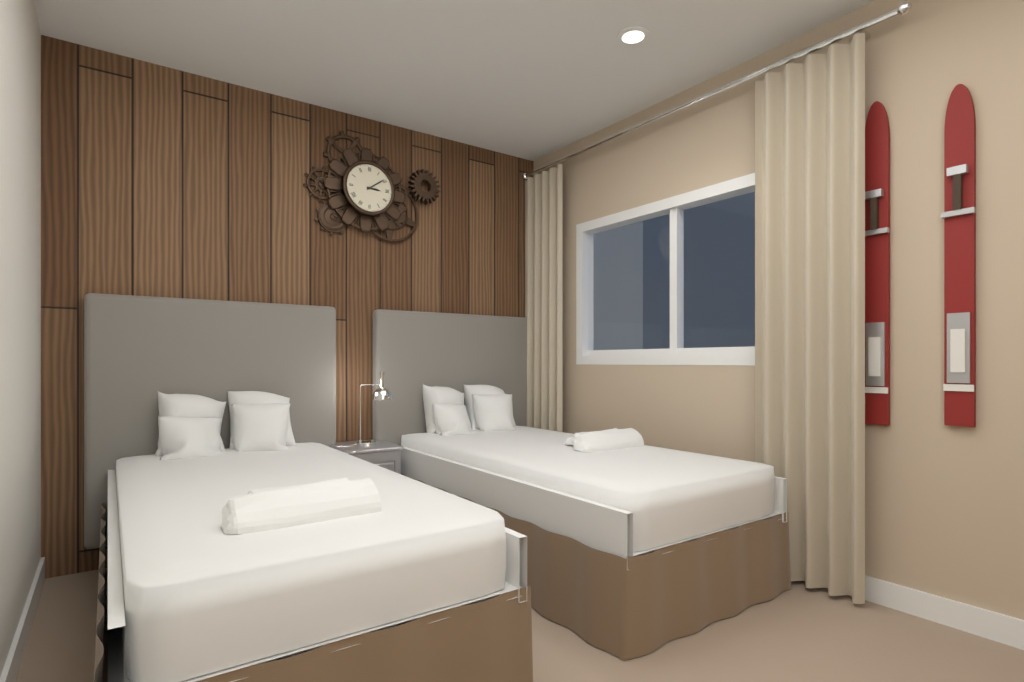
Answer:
3h09
